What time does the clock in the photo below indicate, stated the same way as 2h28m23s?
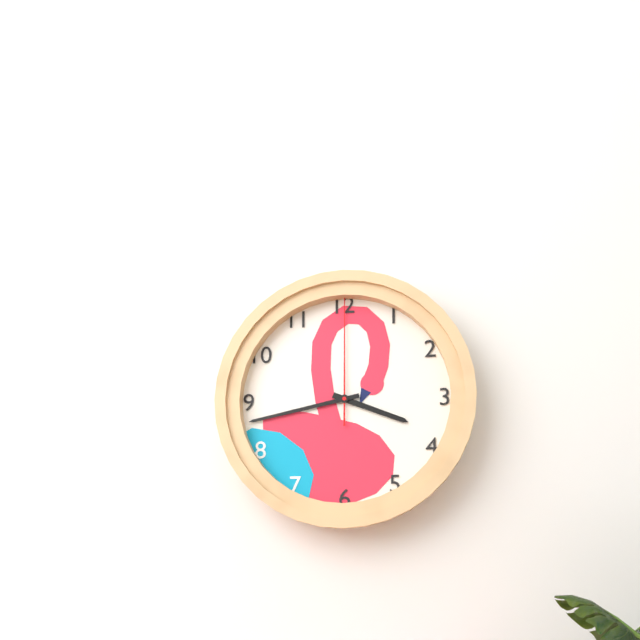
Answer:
3h43m00s
